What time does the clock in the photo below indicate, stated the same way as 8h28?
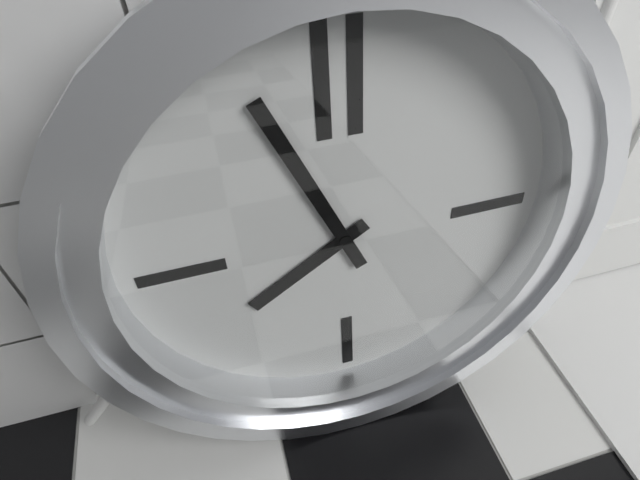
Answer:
7h56
